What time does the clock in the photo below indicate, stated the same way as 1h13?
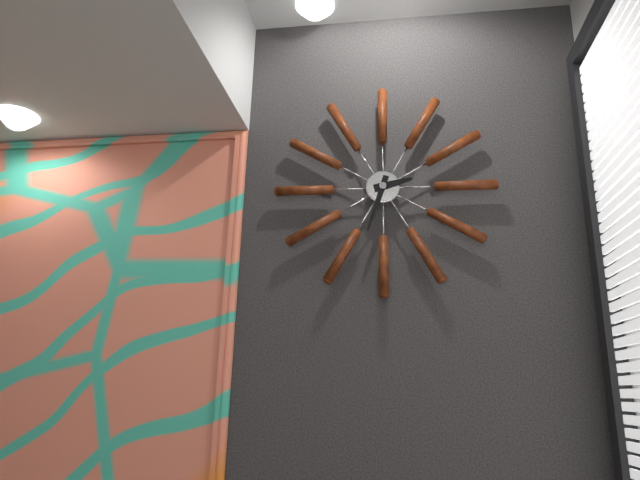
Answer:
2h33
